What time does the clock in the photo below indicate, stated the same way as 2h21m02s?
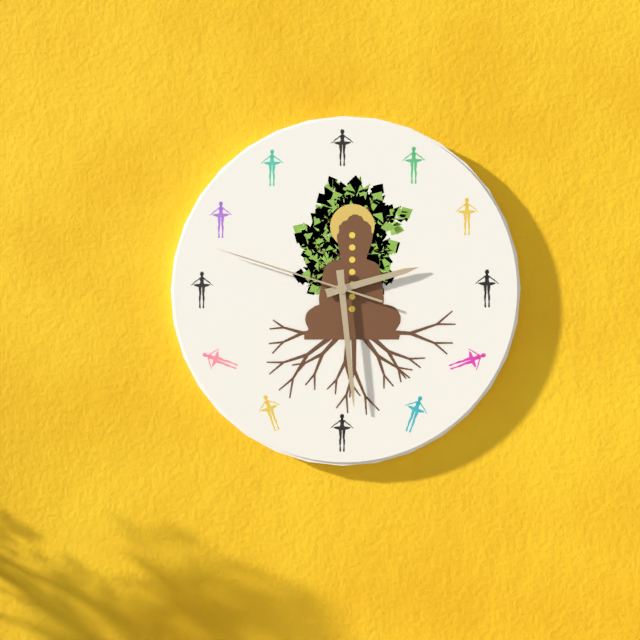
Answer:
2h29m48s
